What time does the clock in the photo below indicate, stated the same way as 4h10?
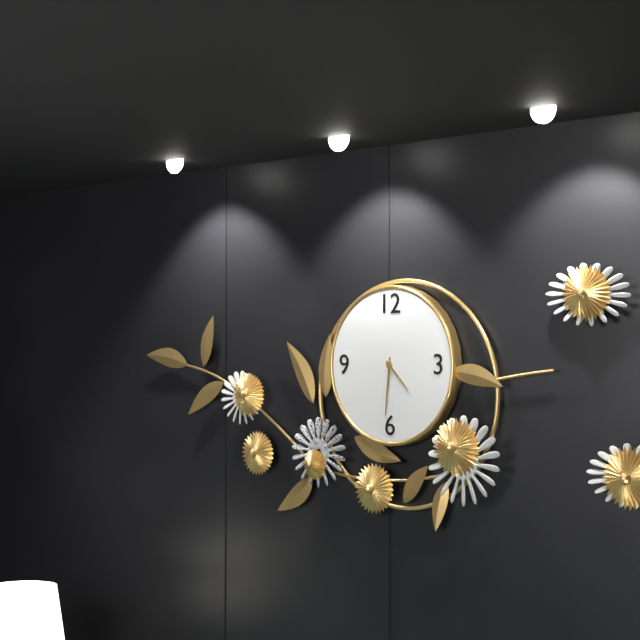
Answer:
4h31
